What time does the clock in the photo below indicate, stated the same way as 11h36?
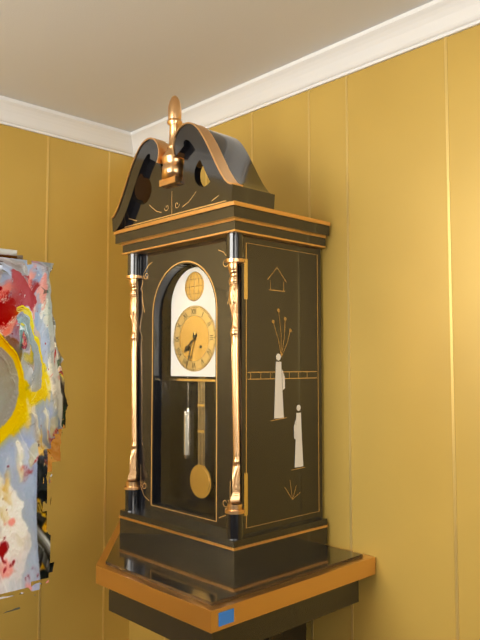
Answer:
7h33
